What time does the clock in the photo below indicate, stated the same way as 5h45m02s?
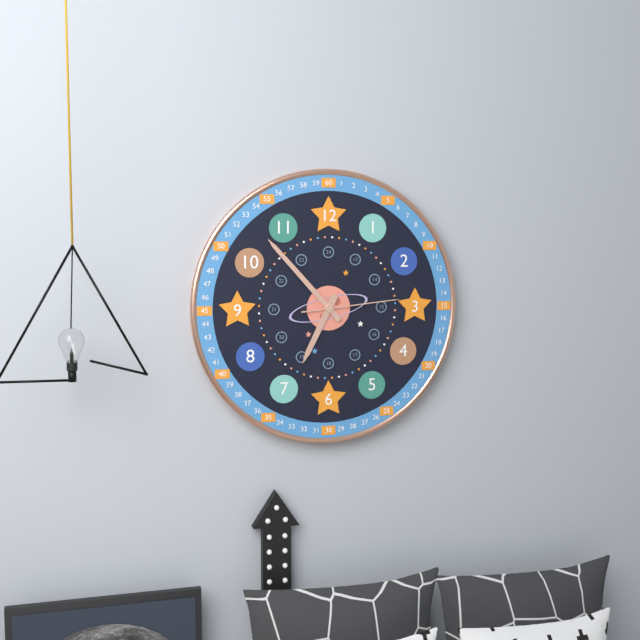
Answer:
6h53m14s
